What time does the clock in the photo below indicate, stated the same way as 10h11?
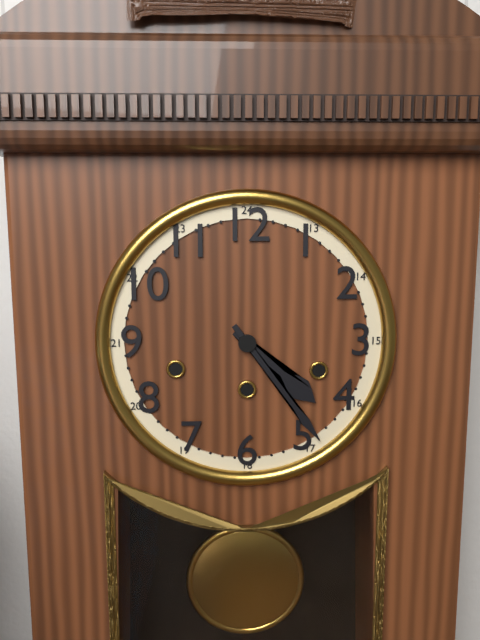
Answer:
4h24
